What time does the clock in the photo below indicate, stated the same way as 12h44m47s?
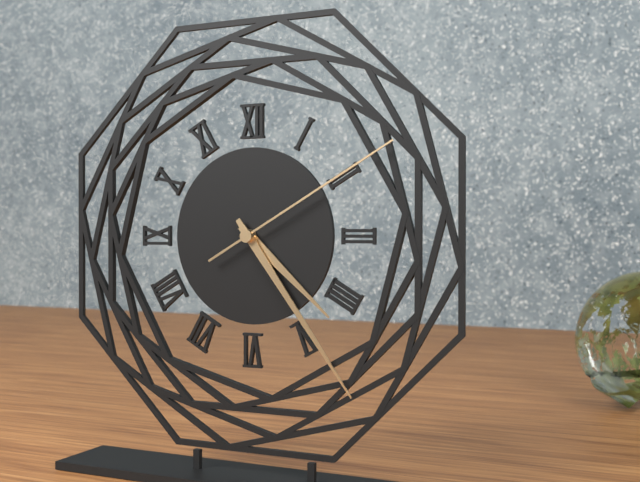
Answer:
4h24m10s
